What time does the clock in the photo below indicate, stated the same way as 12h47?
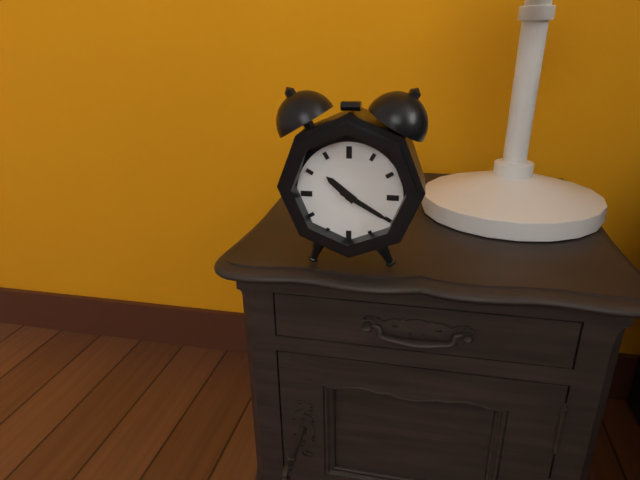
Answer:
10h20
